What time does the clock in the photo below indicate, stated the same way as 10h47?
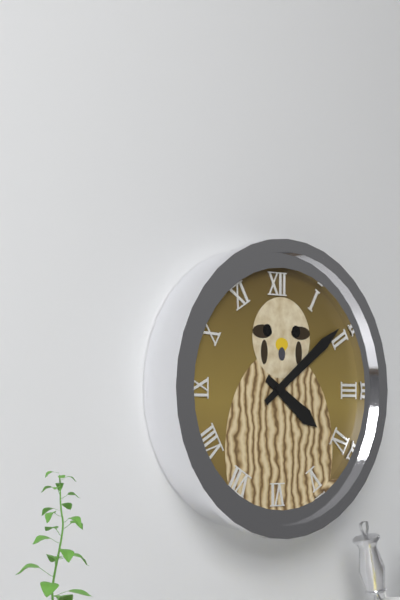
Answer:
4h09
